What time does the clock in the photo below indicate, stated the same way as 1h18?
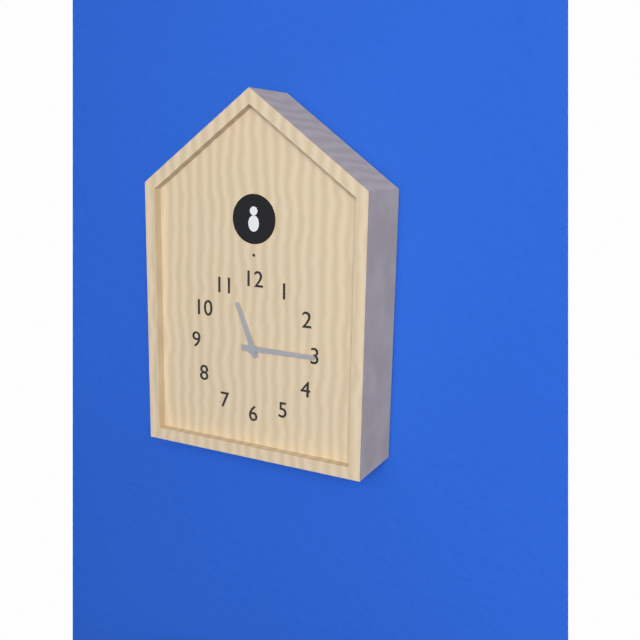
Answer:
11h15
